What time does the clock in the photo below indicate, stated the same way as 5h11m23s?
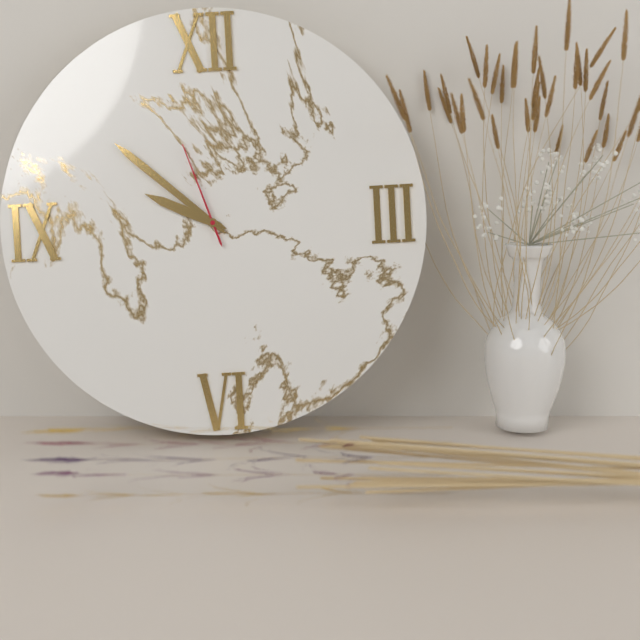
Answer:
9h52m57s
